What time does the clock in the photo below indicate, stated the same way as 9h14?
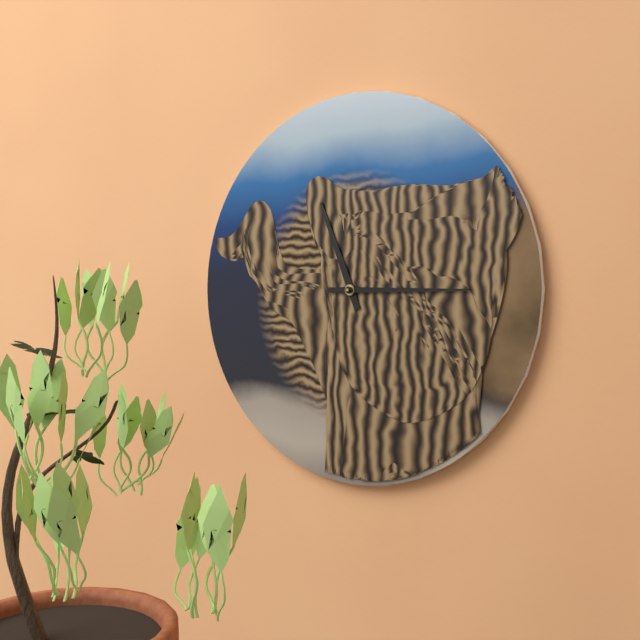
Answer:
11h15
